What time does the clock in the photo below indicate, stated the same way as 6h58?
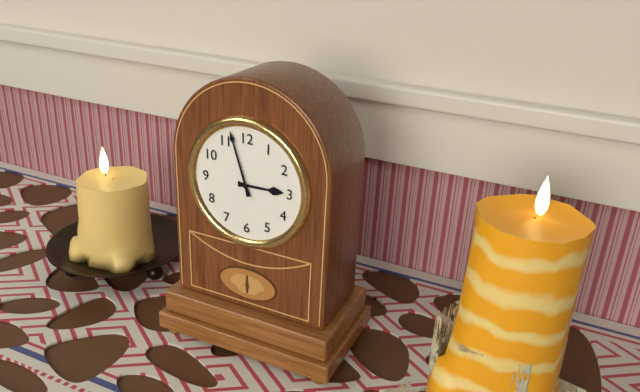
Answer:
2h57
